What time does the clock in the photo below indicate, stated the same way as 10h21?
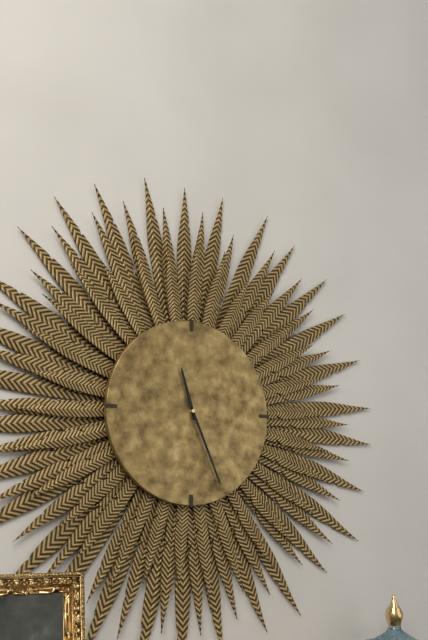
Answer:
11h26
